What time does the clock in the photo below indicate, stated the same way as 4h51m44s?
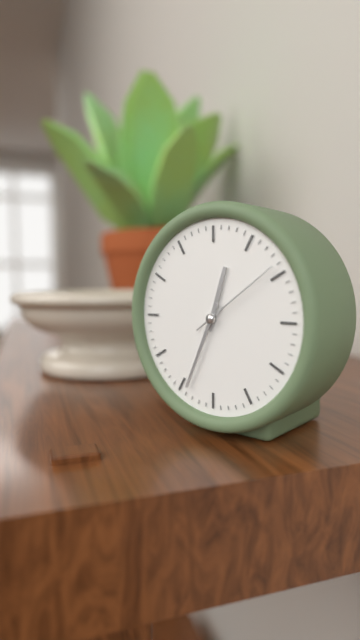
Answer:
12h34m09s
